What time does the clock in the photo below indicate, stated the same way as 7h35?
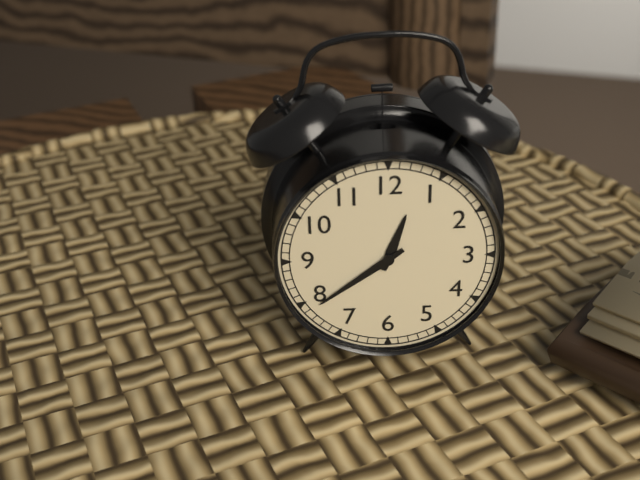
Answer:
12h39
